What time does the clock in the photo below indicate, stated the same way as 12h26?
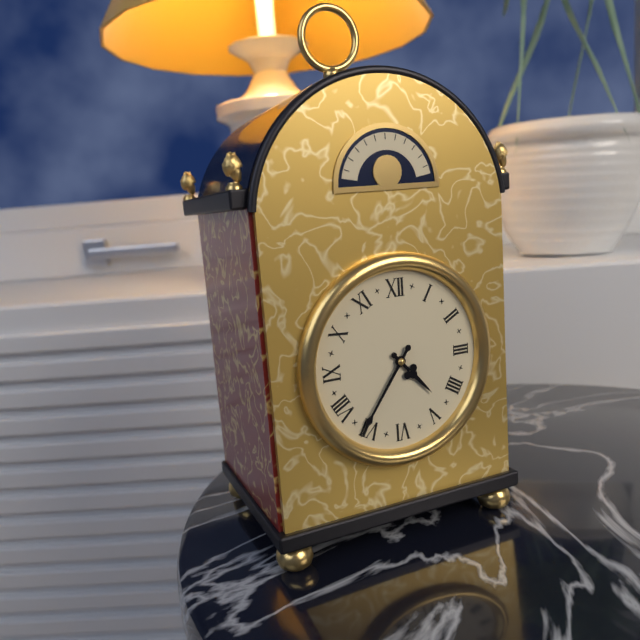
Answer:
4h36
